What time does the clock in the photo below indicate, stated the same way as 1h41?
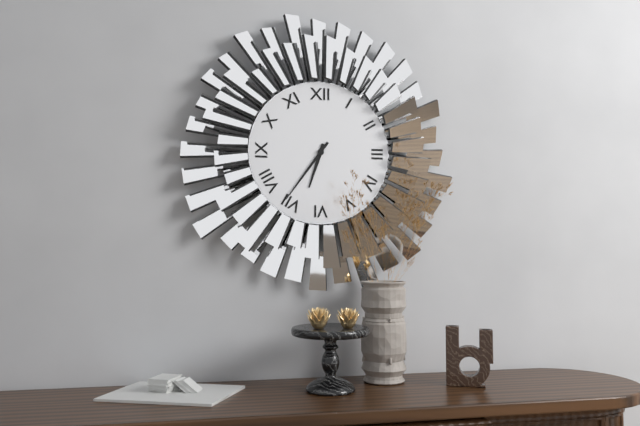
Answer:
6h36
